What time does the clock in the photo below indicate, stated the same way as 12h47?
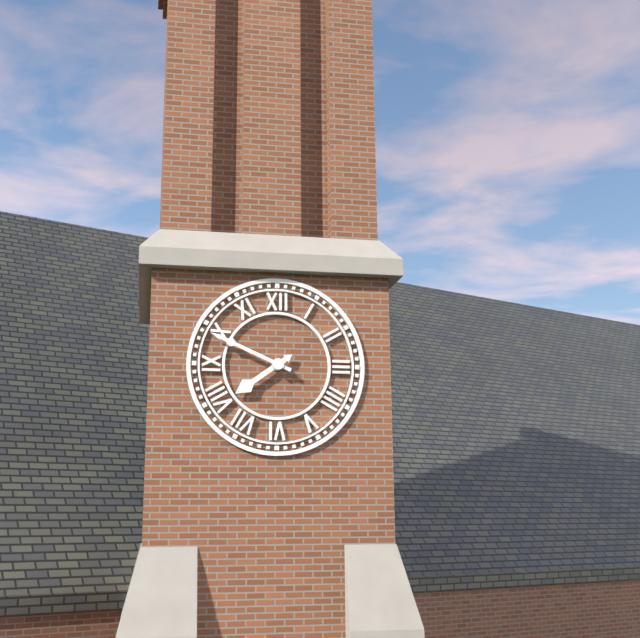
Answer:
7h49
